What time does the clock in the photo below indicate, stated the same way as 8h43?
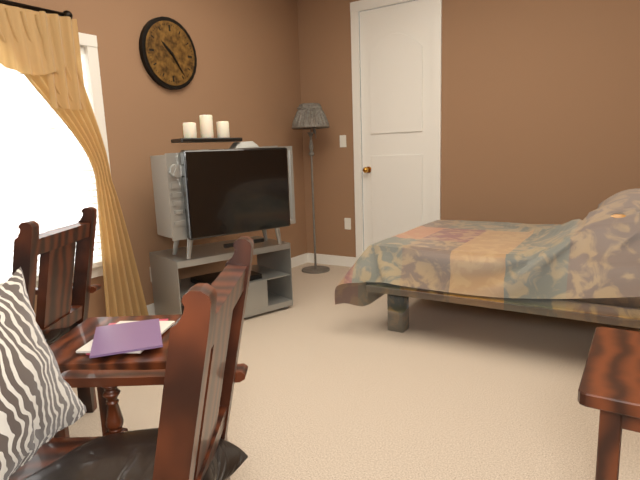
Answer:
10h24
